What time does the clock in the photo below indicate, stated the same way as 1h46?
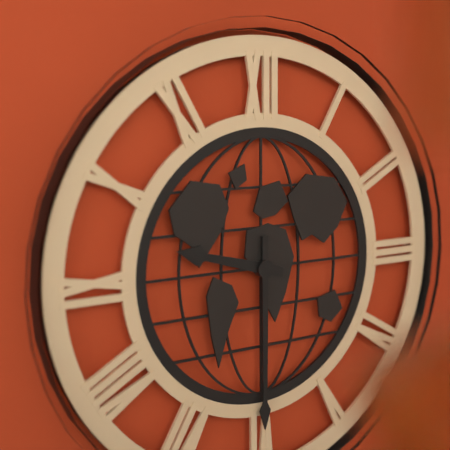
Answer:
9h30
